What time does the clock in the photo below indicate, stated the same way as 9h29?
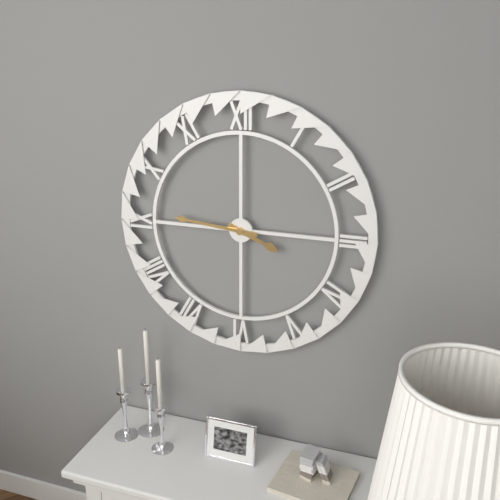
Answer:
3h46
